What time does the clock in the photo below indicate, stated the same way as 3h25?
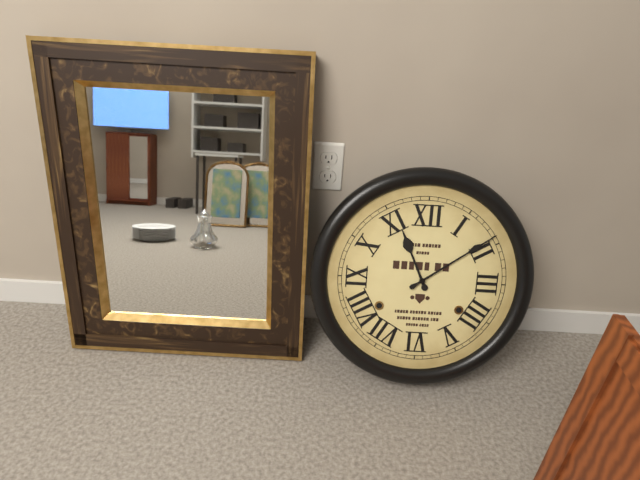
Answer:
11h09
